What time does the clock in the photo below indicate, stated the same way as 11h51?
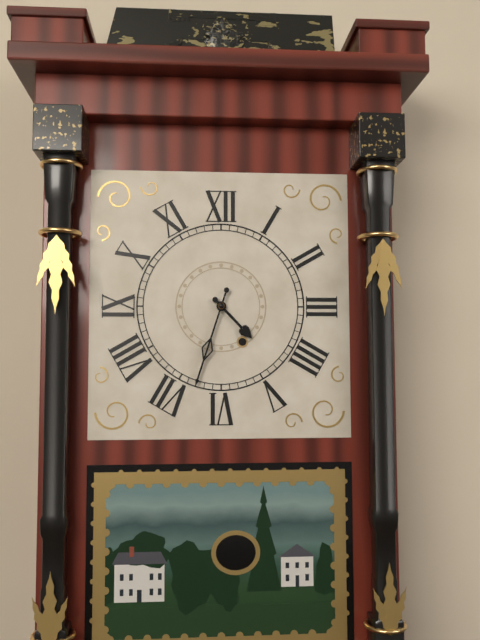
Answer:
4h33
